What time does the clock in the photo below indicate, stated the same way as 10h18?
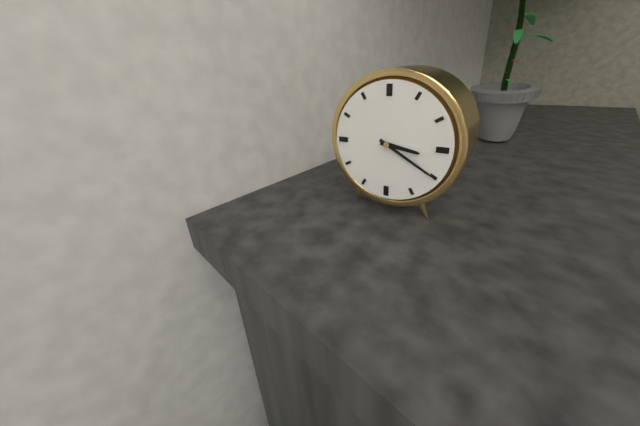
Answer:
3h20
